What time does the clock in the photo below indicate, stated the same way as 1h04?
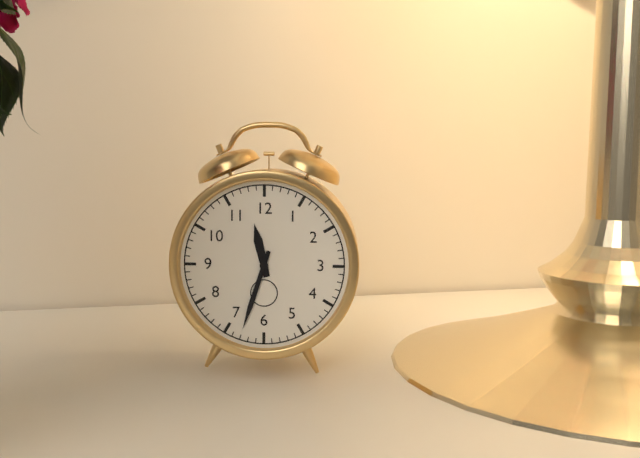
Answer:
11h33
